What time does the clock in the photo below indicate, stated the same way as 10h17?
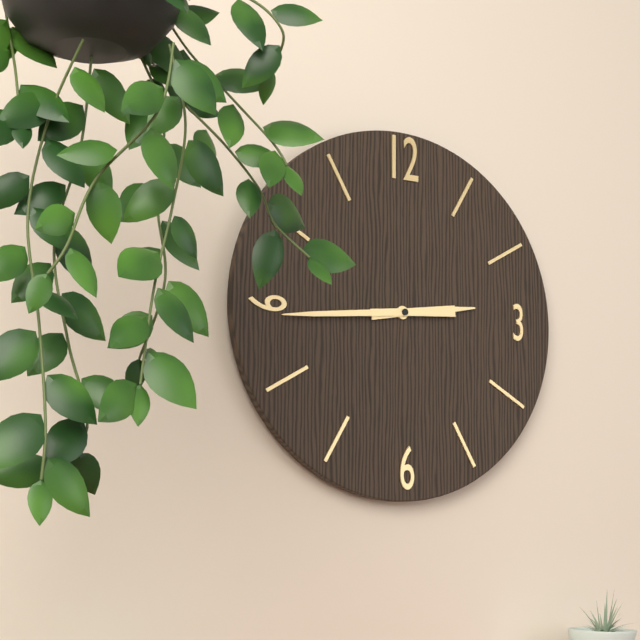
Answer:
2h44
